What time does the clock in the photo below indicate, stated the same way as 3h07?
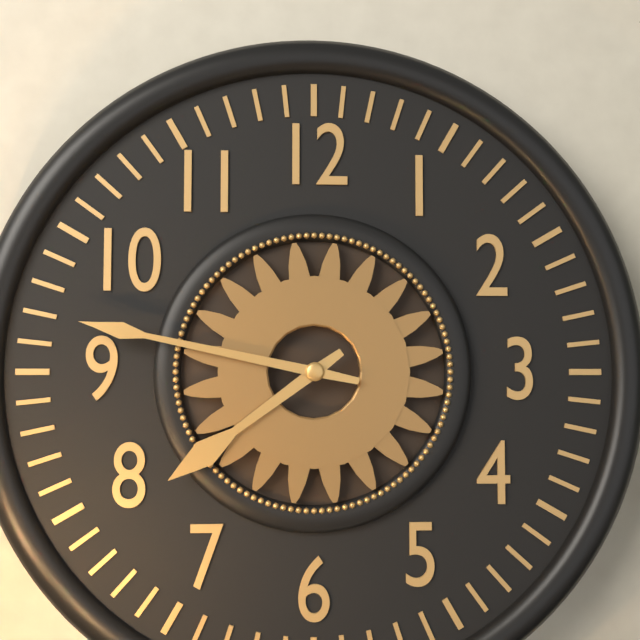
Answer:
7h47
